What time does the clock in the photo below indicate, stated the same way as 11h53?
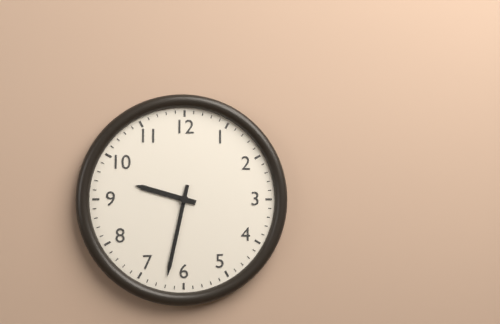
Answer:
9h32
